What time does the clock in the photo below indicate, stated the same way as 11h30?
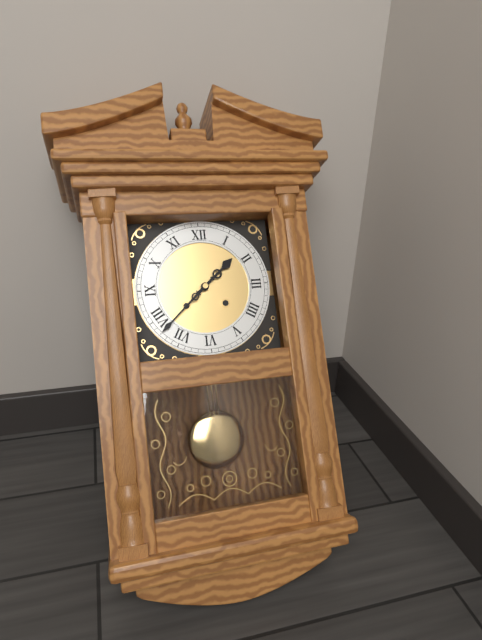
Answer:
1h38
